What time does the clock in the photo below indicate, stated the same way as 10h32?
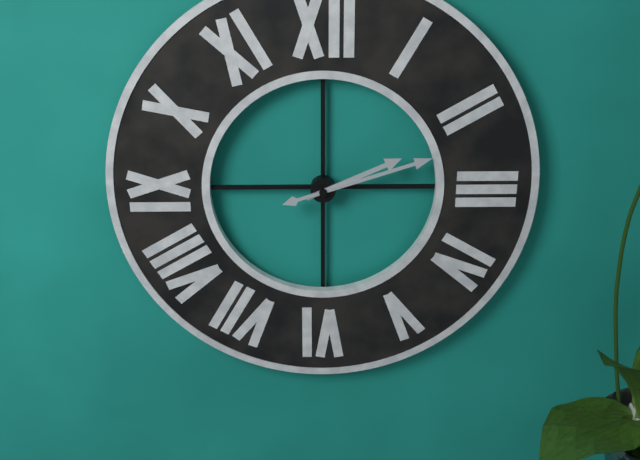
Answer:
2h12
